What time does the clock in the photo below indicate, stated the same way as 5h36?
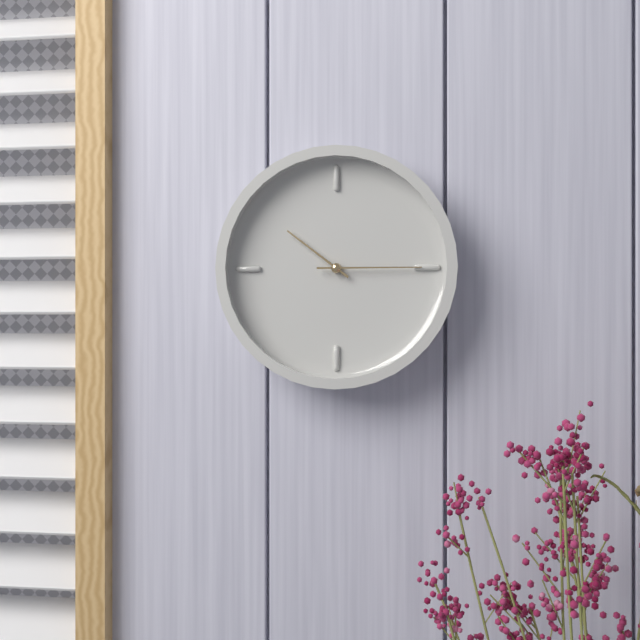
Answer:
10h15
